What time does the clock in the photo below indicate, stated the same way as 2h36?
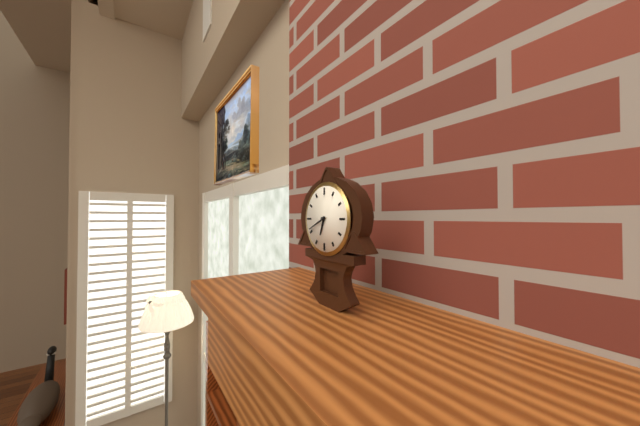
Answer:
6h41
